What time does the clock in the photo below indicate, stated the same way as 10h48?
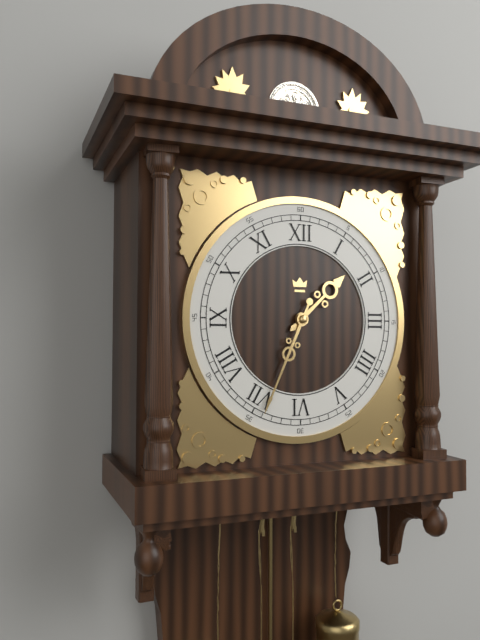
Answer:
1h34
